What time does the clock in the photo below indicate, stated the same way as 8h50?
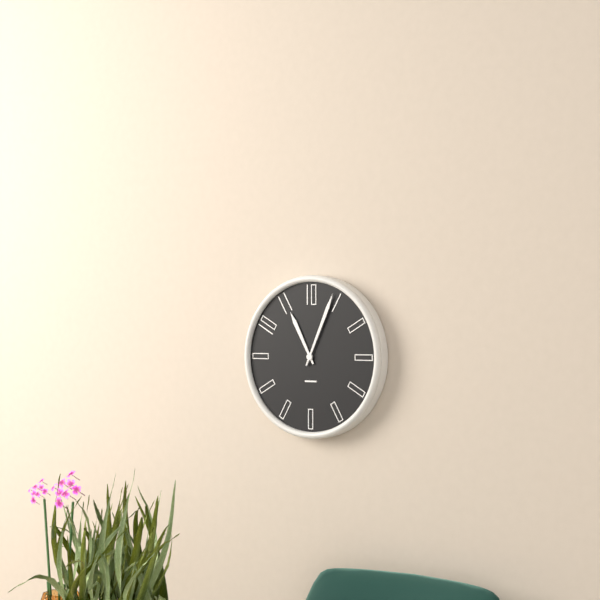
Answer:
11h04
